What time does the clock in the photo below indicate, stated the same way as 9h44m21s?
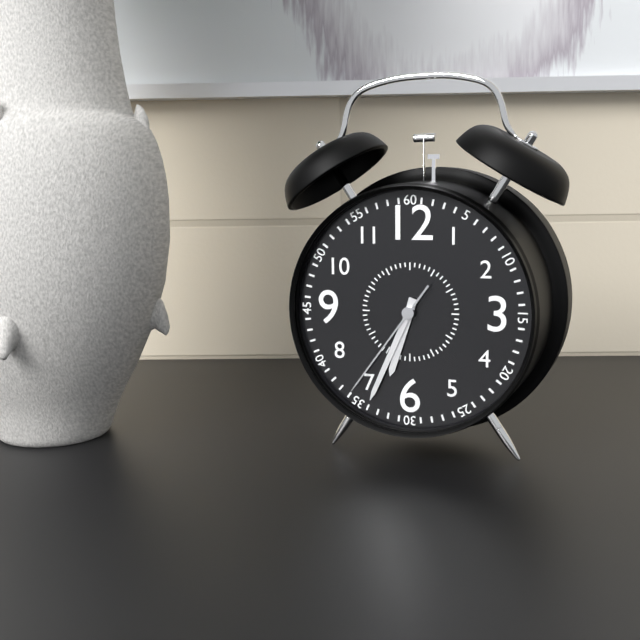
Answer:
6h34m36s
